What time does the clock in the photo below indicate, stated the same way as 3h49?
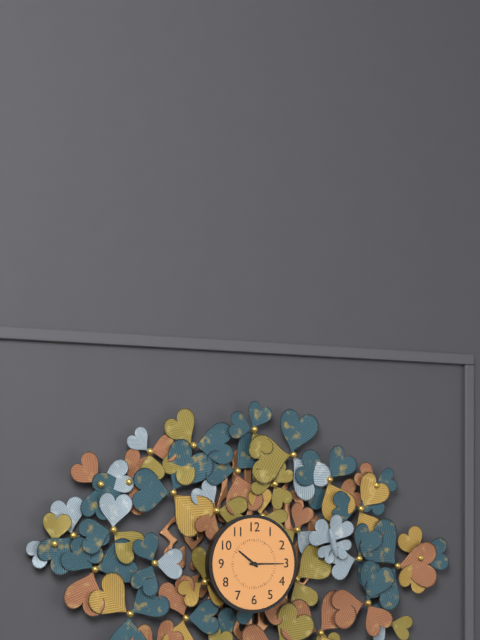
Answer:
10h15
